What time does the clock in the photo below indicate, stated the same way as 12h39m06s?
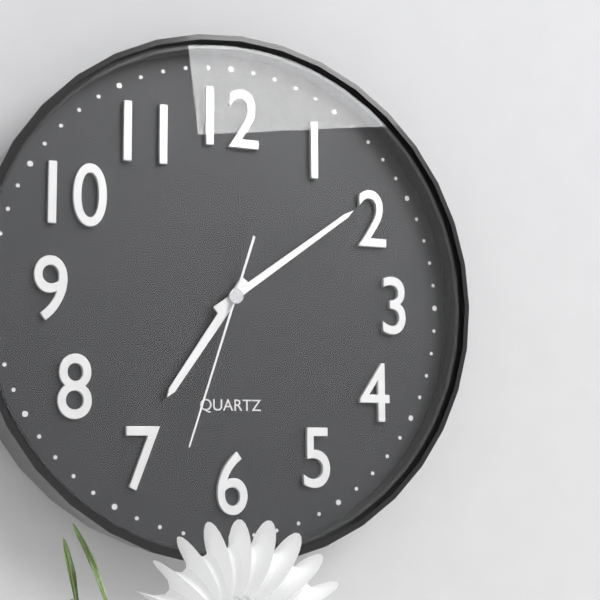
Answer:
7h09m33s
